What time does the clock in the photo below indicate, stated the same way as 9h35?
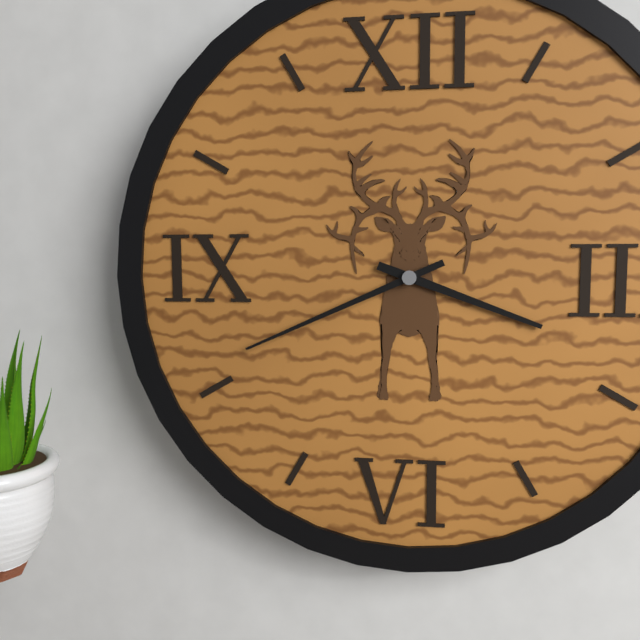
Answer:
3h41
